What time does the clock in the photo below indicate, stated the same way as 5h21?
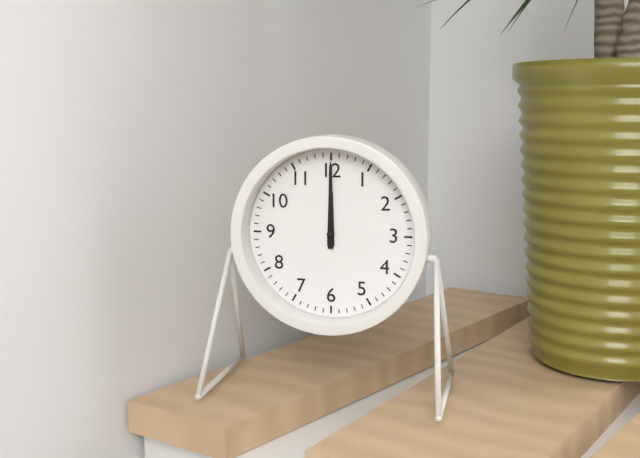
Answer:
12h00
